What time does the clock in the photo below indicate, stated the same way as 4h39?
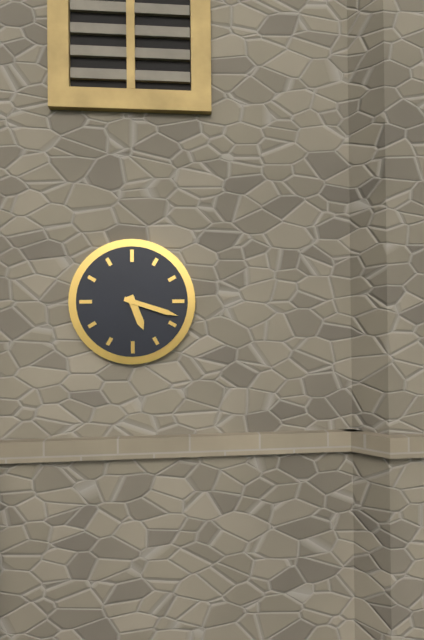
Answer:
5h18
